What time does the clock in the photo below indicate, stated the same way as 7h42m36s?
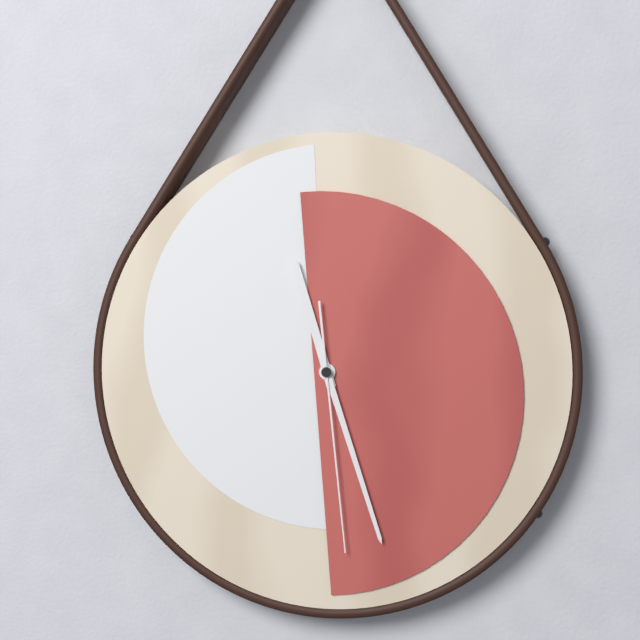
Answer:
11h27m29s
